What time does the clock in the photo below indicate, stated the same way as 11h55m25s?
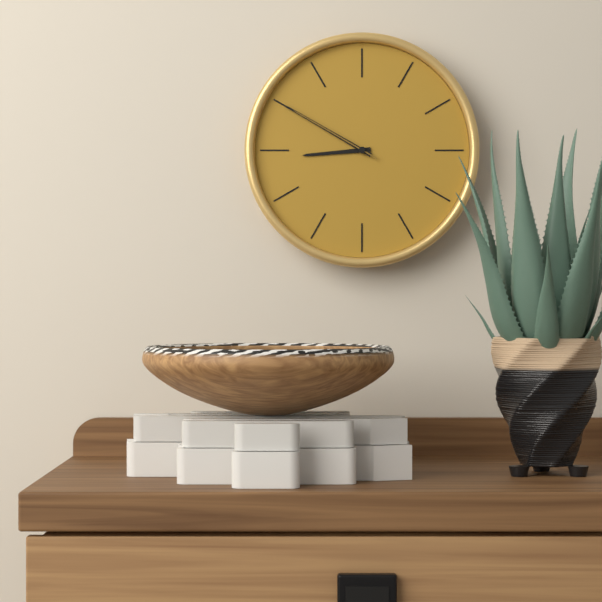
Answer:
8h50m50s
